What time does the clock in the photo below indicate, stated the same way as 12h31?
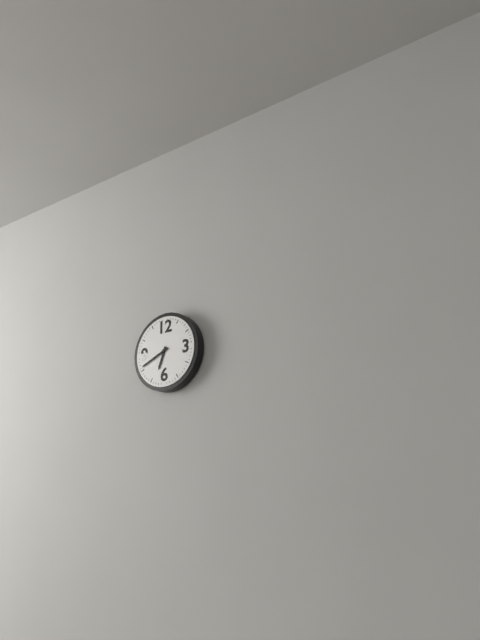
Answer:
6h41
